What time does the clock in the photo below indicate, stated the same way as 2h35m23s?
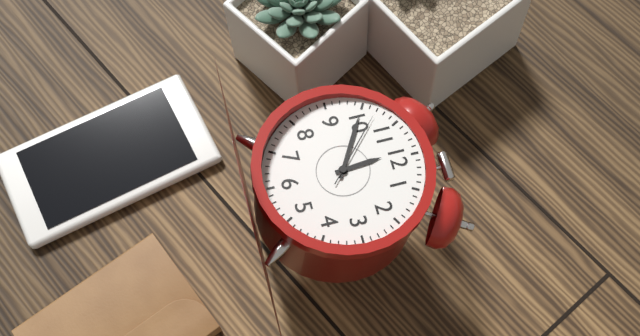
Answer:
11h50m52s
